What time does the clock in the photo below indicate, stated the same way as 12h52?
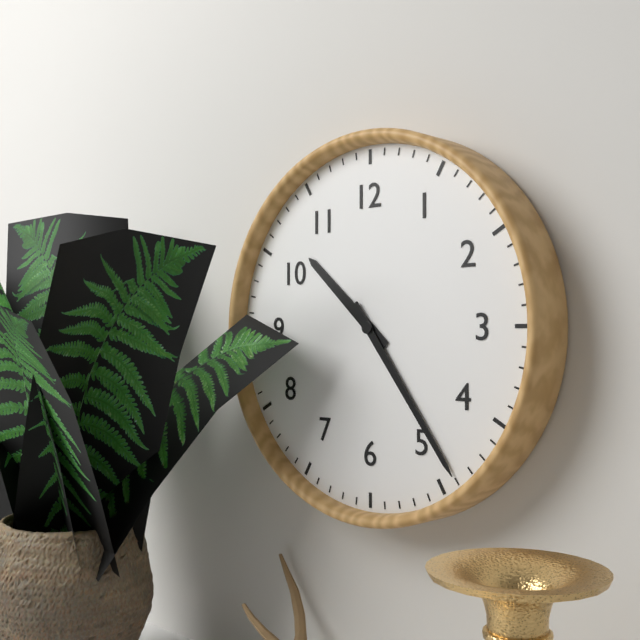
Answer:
10h24
